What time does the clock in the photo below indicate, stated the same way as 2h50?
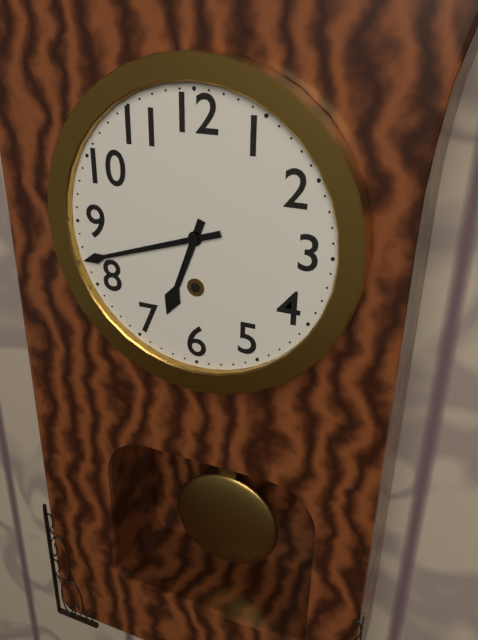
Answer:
6h42
